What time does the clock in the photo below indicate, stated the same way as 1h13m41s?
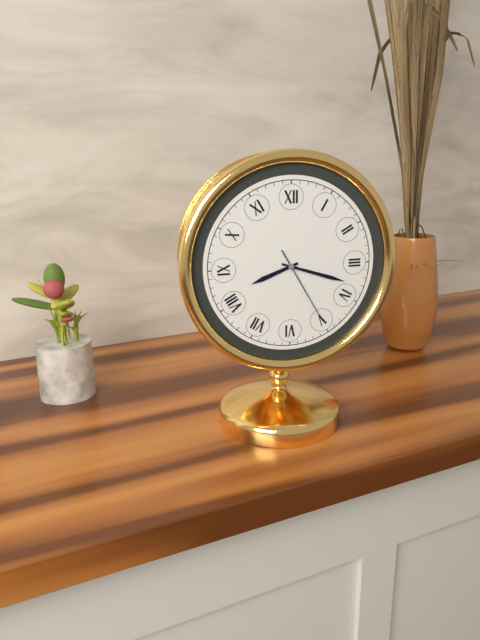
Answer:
8h18m25s
